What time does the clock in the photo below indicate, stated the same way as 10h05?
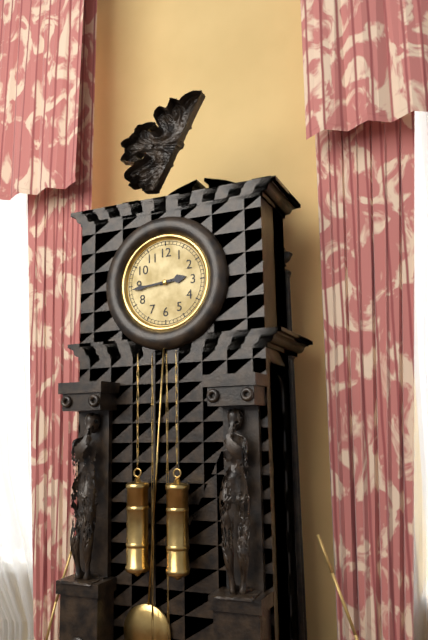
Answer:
2h44
